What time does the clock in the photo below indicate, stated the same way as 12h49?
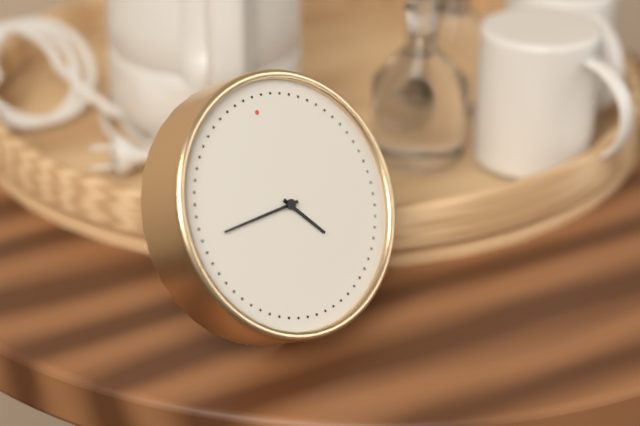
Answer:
4h45
